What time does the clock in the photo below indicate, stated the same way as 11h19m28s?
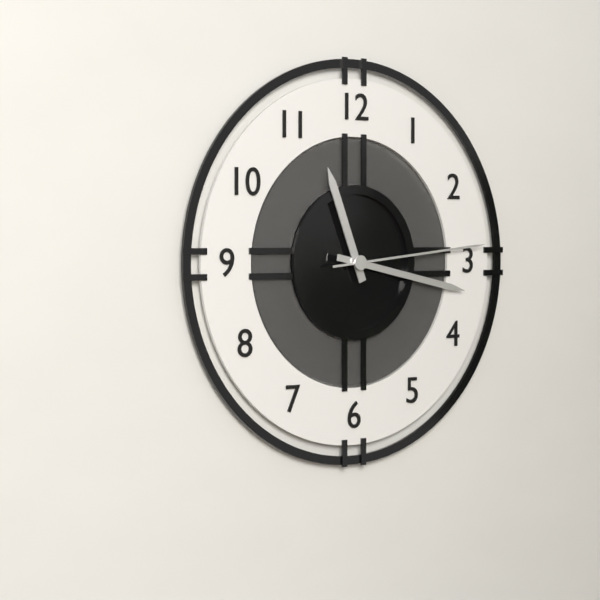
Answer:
11h17m14s
